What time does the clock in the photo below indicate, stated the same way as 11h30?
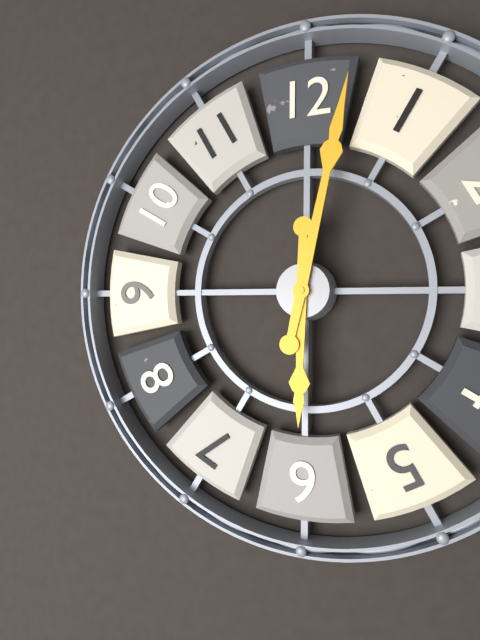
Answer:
6h02
